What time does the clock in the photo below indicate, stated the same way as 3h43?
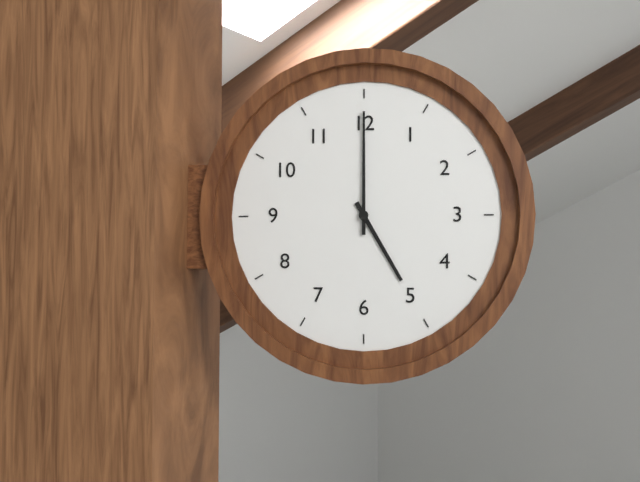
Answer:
5h00
